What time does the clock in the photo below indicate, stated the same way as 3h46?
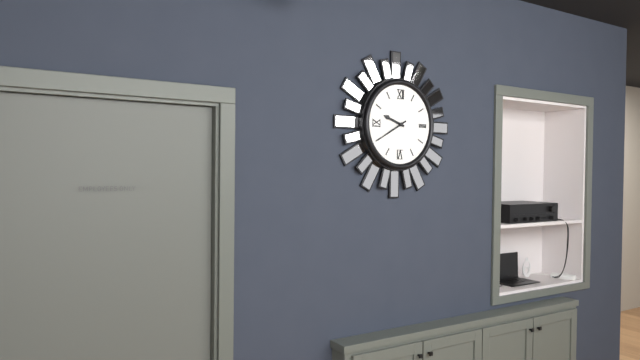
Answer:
9h40
